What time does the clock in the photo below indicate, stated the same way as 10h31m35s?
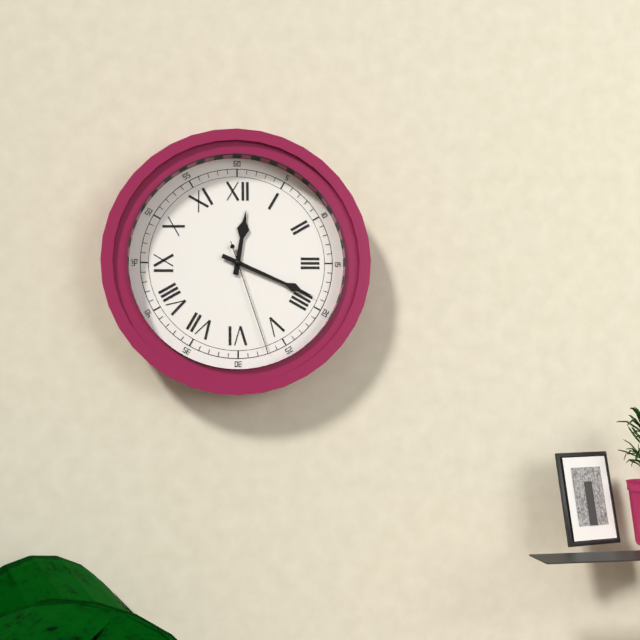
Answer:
12h19m27s
